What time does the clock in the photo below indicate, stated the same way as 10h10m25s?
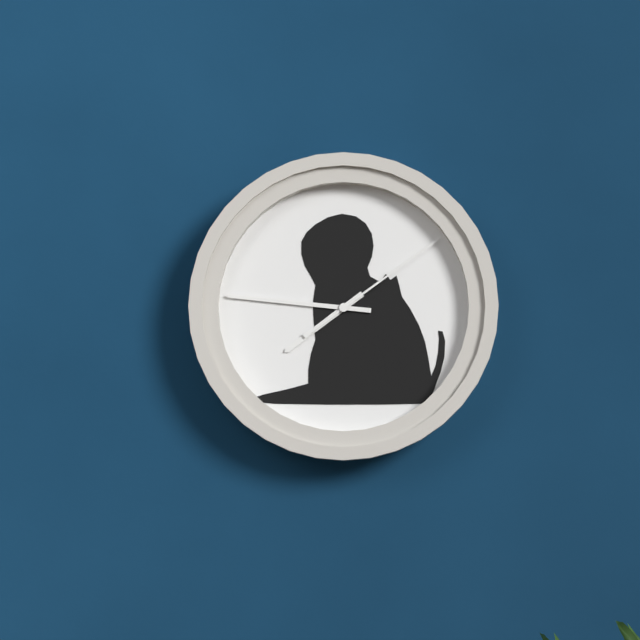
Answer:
7h46m09s
